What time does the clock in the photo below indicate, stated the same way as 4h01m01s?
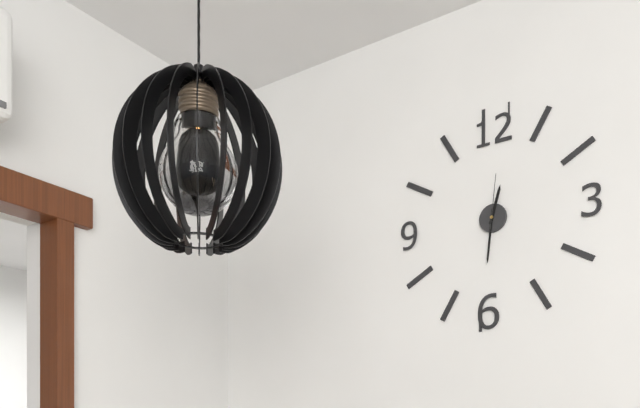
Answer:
12h31m01s
